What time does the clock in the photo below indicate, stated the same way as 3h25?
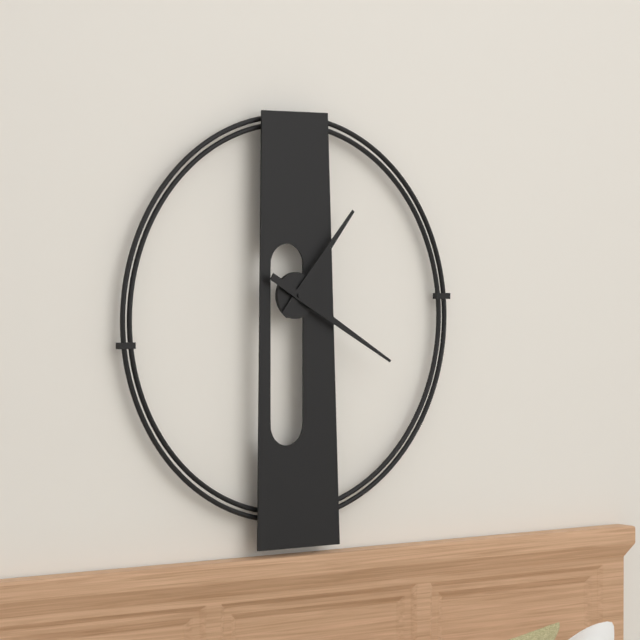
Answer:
1h20
